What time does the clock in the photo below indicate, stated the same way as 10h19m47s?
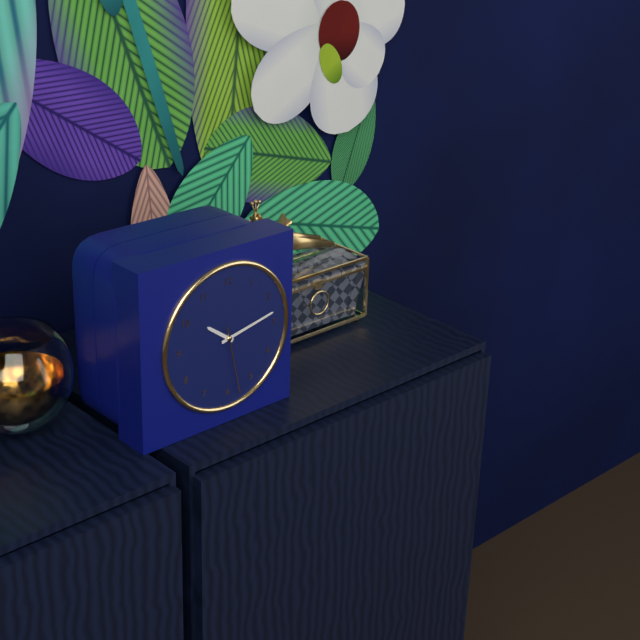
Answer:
10h13m28s
